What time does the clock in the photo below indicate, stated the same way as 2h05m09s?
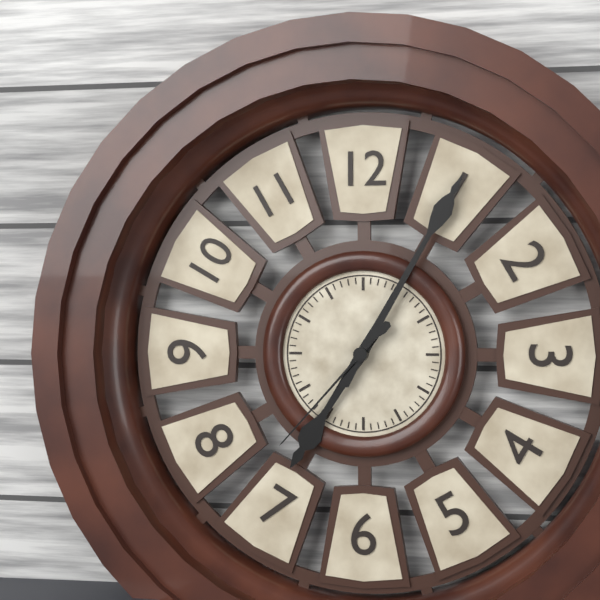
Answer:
7h05m37s
